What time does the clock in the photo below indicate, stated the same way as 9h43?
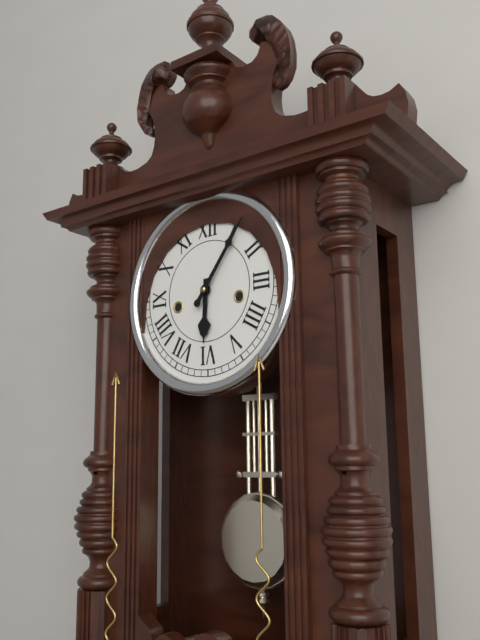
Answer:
6h06
